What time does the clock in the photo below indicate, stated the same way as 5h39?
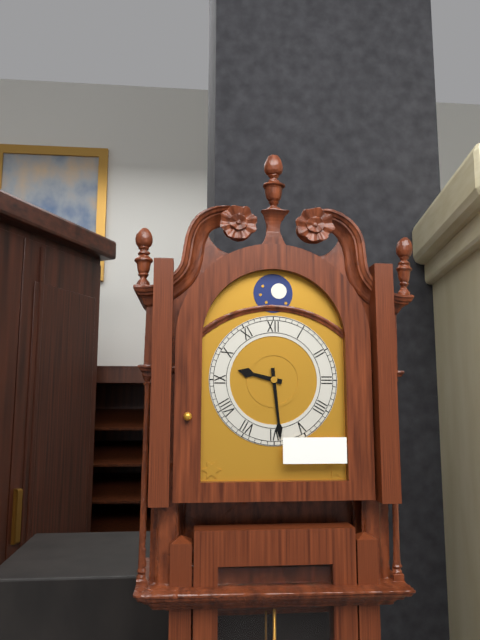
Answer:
9h29
